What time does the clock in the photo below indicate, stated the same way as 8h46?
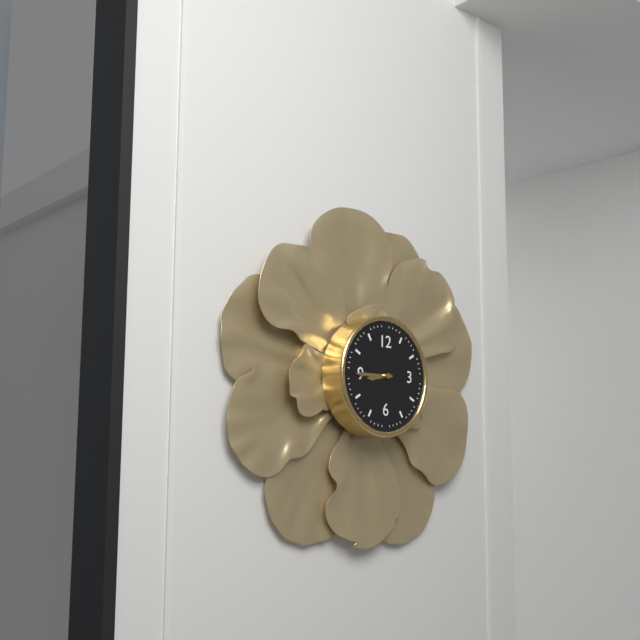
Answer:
8h45
